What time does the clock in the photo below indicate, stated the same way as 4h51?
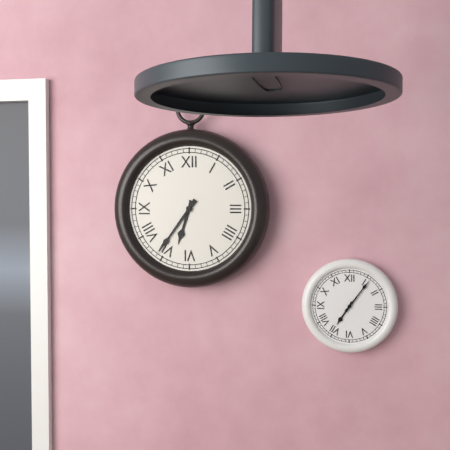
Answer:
6h36
